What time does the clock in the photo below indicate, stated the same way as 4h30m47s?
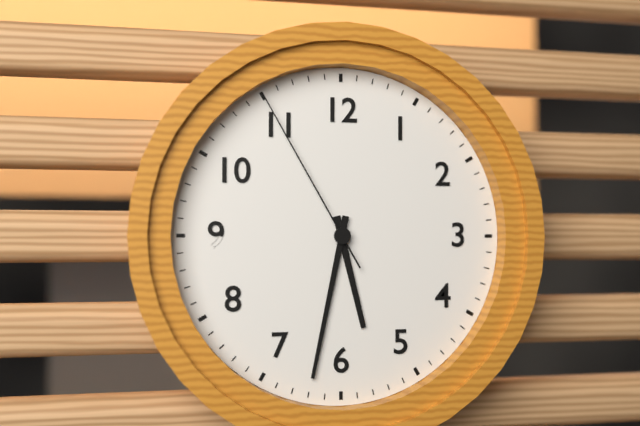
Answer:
5h32m55s
